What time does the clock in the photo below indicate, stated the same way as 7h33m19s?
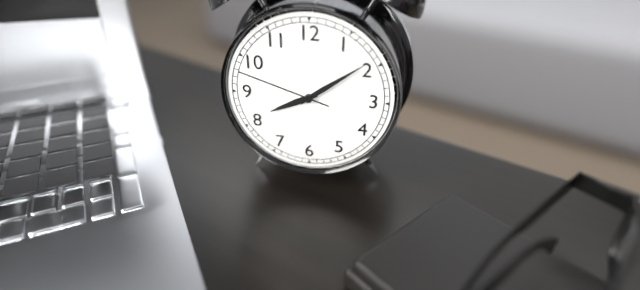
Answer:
8h09m48s
